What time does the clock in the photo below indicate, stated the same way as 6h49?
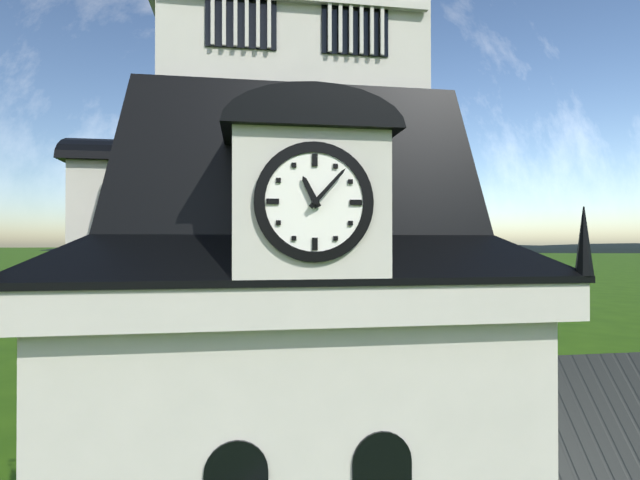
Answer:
11h07
